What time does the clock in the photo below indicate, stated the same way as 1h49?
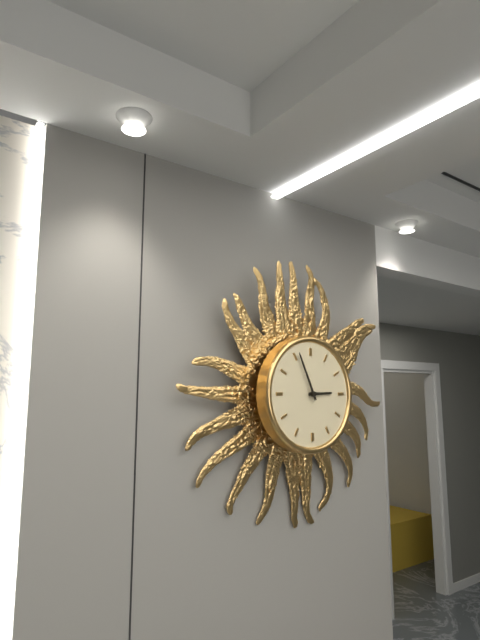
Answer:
2h56
